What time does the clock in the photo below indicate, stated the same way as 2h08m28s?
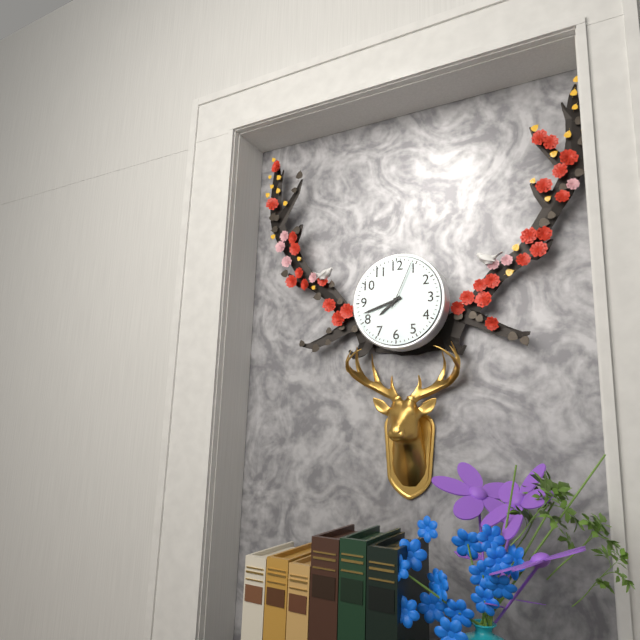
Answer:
7h42m04s
